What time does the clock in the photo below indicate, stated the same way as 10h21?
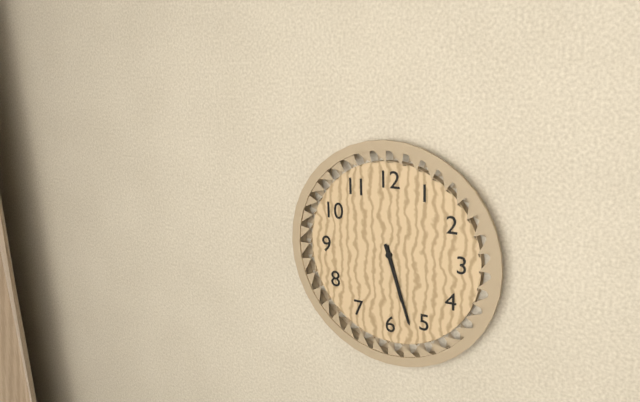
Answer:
5h27
